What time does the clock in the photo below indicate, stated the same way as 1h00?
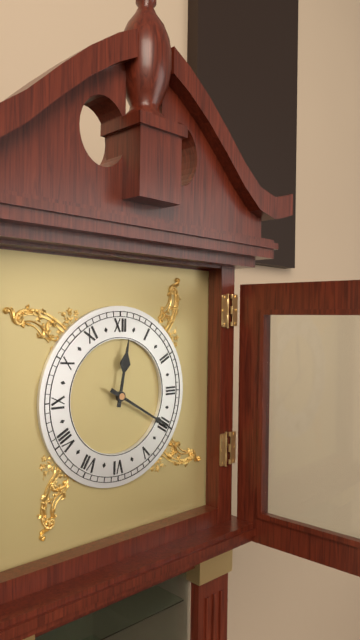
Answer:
12h20
